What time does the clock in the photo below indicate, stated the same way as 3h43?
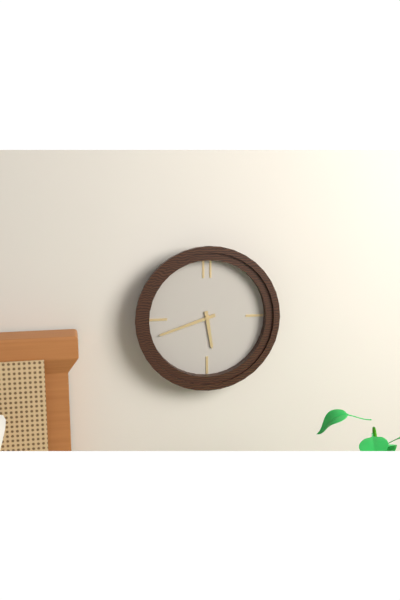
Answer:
5h42
